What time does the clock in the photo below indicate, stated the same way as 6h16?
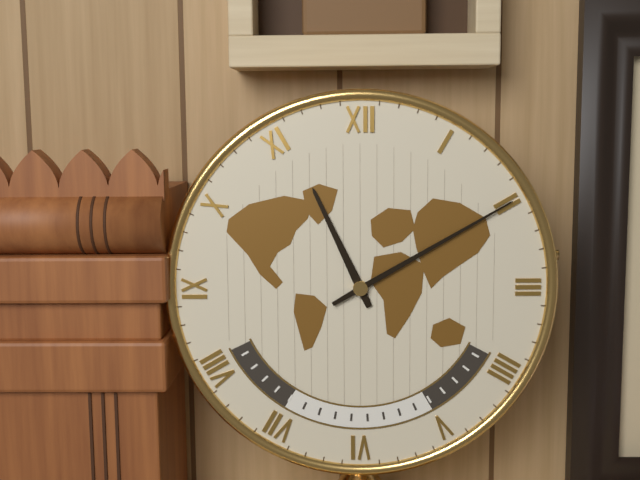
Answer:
11h10
